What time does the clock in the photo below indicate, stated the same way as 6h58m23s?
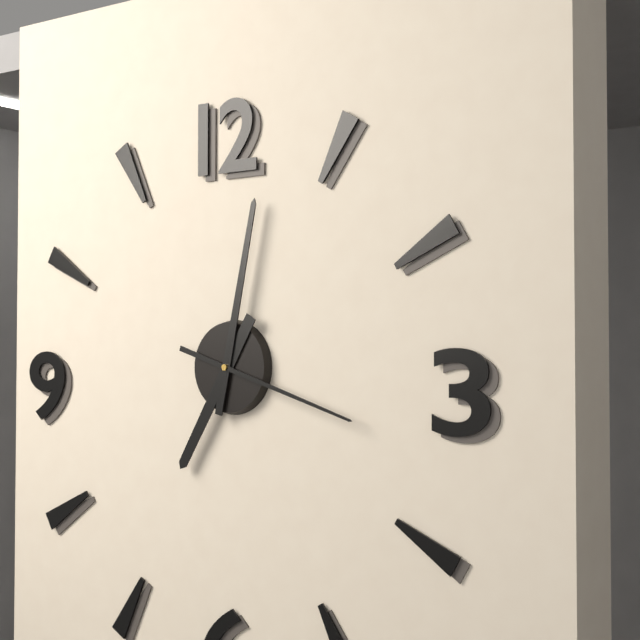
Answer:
7h02m18s
